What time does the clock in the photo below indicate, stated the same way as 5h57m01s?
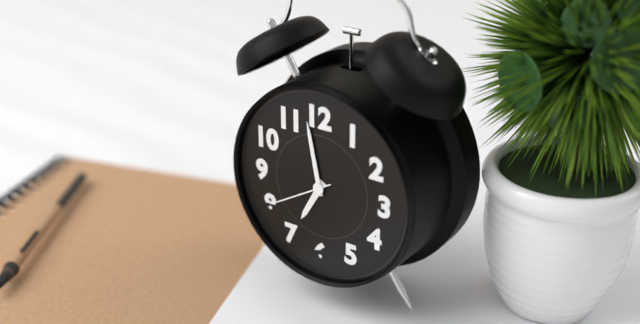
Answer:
6h58m40s
